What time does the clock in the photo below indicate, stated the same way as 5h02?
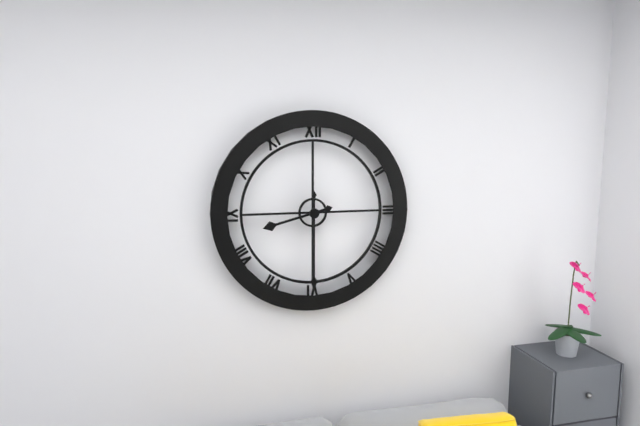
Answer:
8h30
